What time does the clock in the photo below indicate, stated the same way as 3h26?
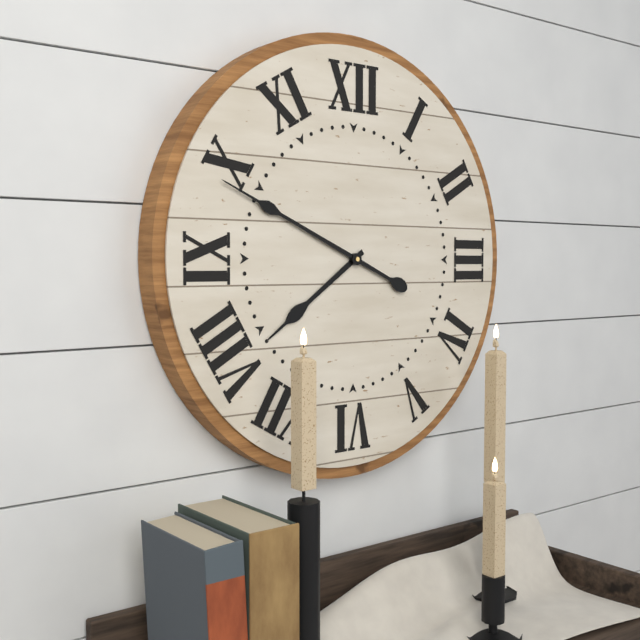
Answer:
7h49
